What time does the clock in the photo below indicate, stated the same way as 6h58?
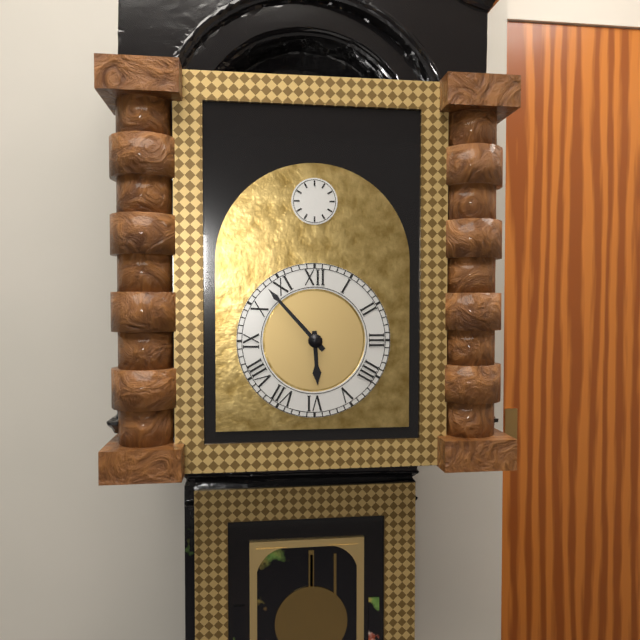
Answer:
5h53
